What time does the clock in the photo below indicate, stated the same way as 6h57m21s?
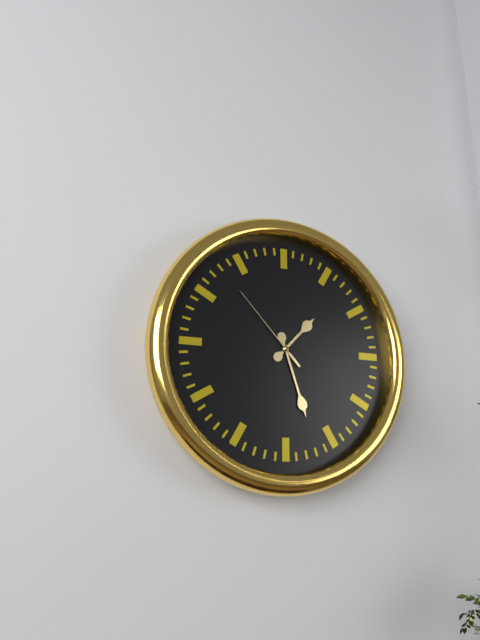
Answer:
1h27m53s
